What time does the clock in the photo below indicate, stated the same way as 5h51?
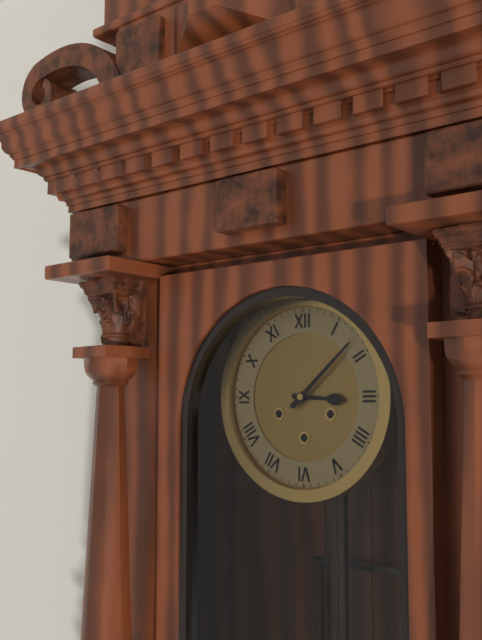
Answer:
3h08
